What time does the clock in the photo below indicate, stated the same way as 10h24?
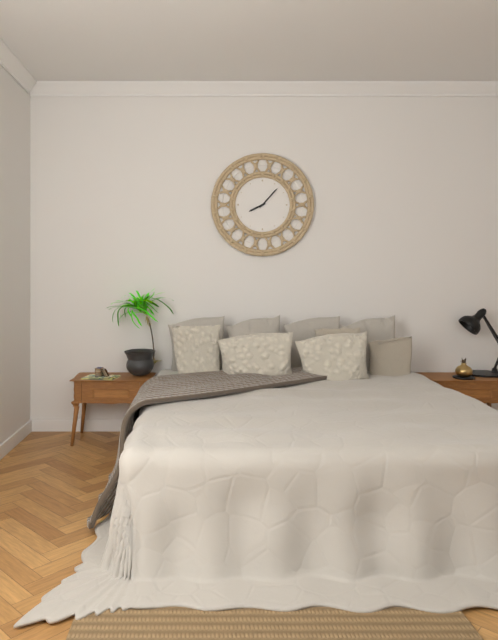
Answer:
8h07
